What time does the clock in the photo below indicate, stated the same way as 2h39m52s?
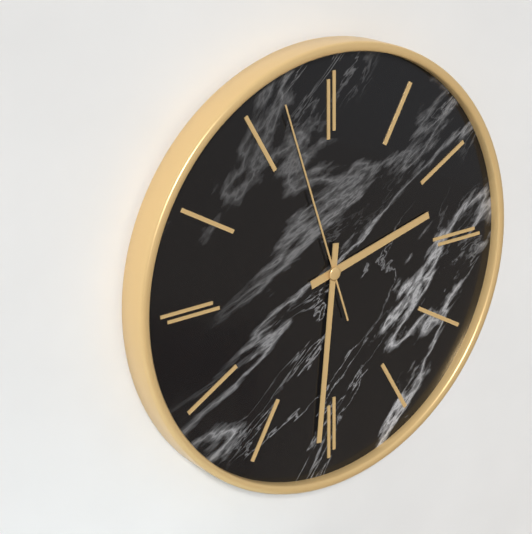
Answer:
2h31m57s
